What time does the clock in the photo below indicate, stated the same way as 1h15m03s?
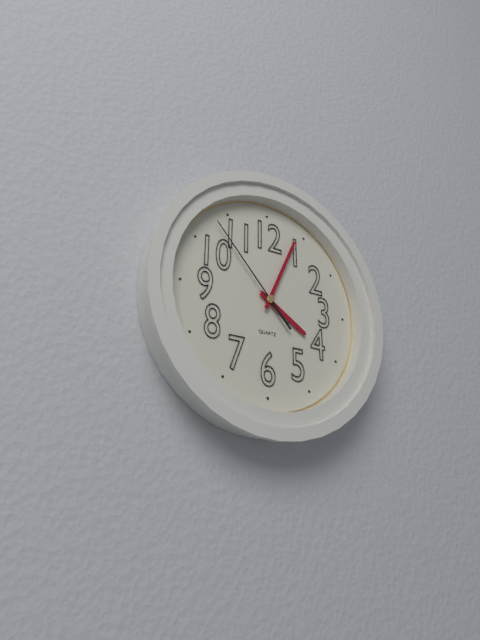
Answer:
4h04m53s
